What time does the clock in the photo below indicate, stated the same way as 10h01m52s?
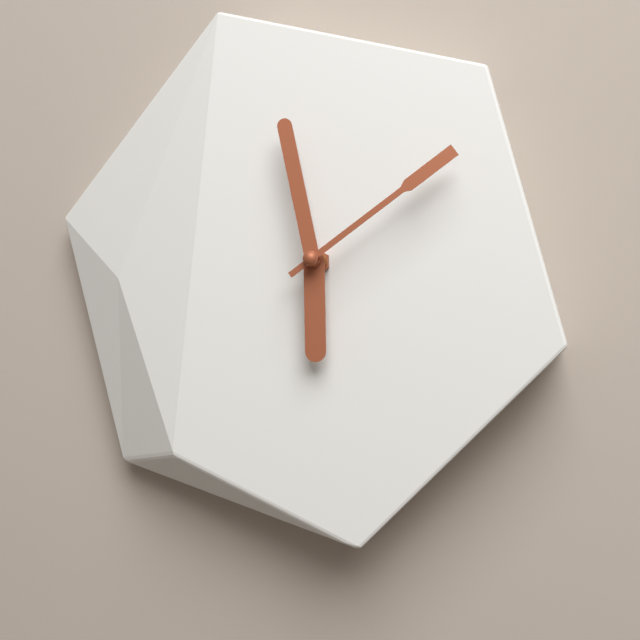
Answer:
5h58m09s
